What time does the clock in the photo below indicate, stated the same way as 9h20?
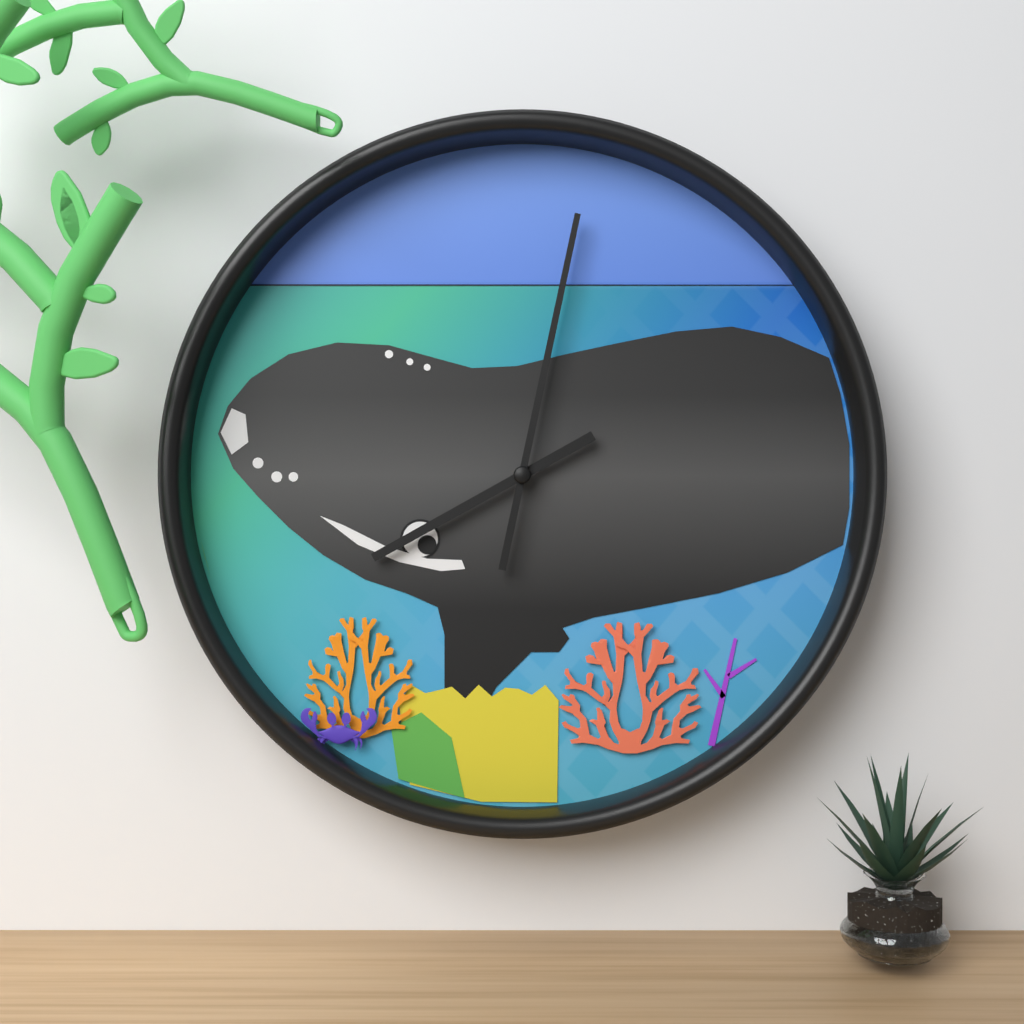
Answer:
8h02
